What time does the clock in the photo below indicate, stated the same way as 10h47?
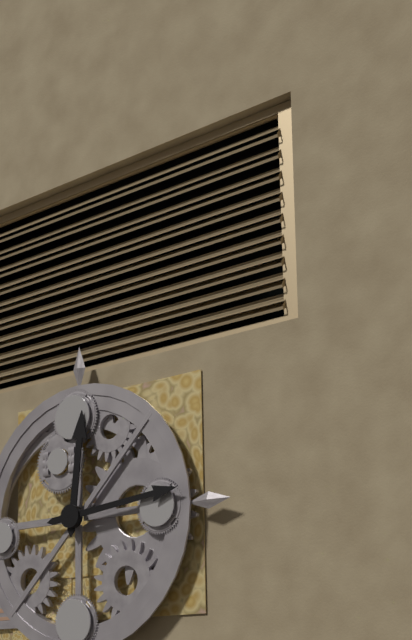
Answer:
12h14
